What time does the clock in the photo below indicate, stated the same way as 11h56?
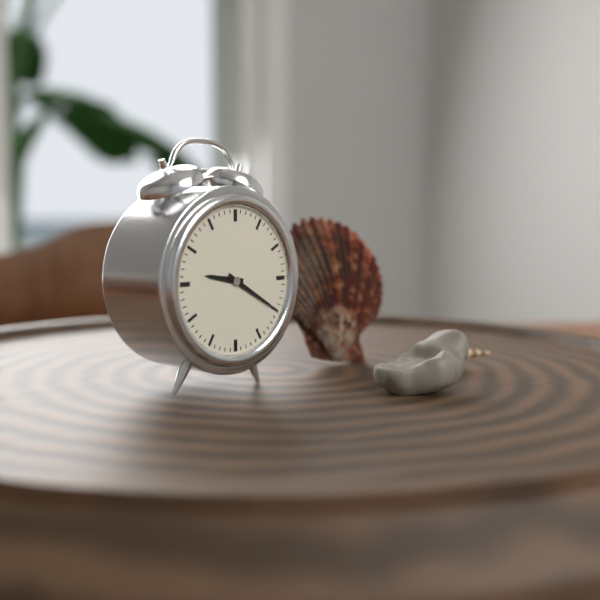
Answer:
9h20
